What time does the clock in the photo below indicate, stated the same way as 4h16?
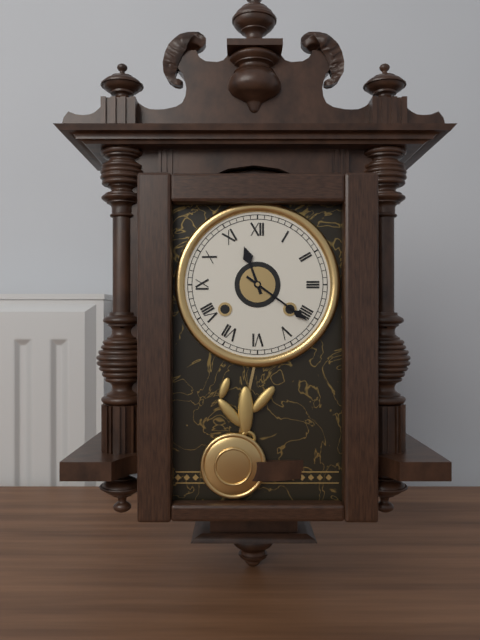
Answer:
11h21
